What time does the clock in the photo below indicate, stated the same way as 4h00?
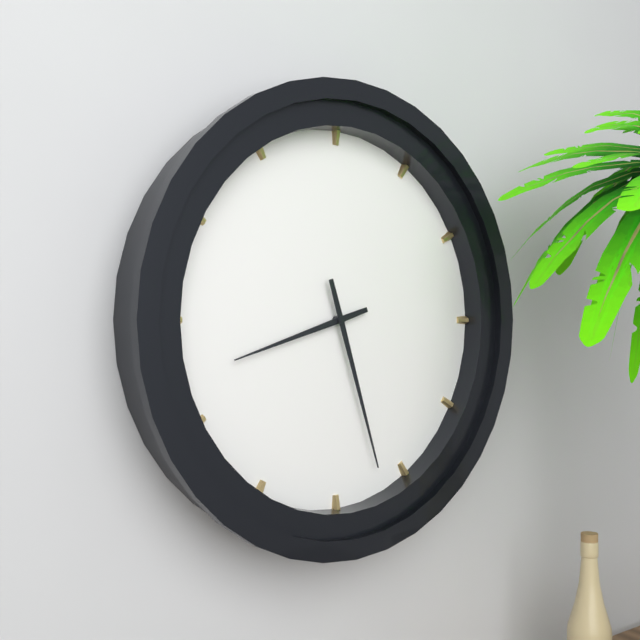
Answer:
8h27
